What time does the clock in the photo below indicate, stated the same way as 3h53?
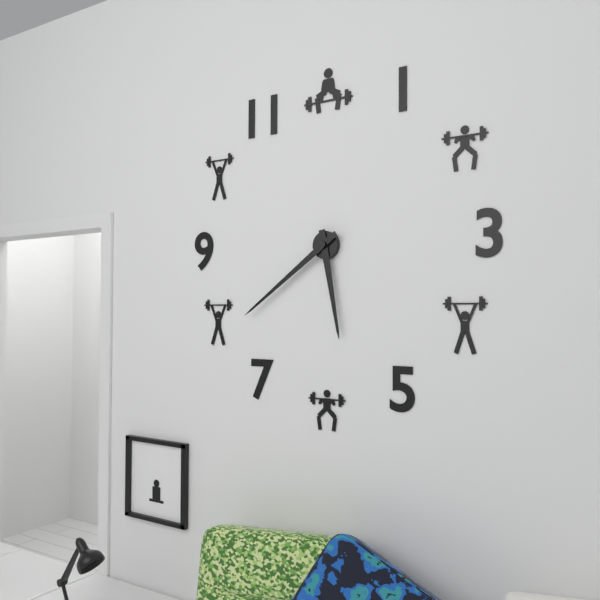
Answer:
5h39
